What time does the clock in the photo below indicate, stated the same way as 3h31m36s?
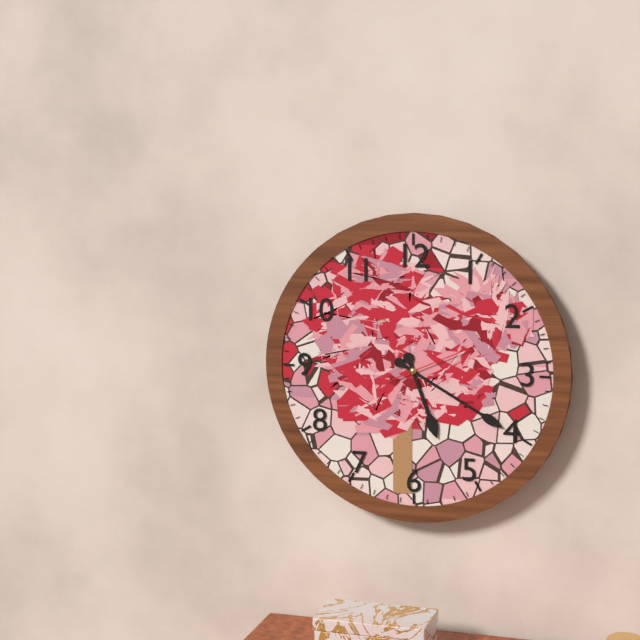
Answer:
5h20m11s
